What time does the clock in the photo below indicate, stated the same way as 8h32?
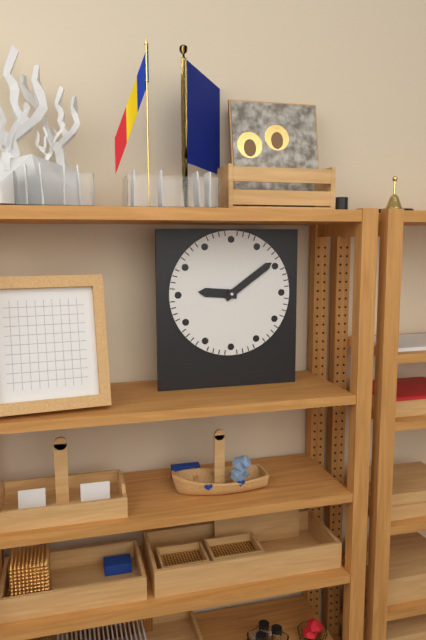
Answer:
9h09
